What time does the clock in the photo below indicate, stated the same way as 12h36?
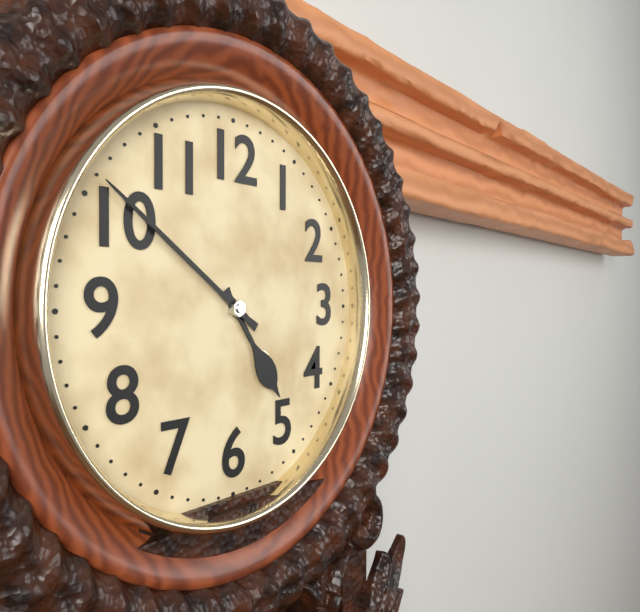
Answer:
4h51
